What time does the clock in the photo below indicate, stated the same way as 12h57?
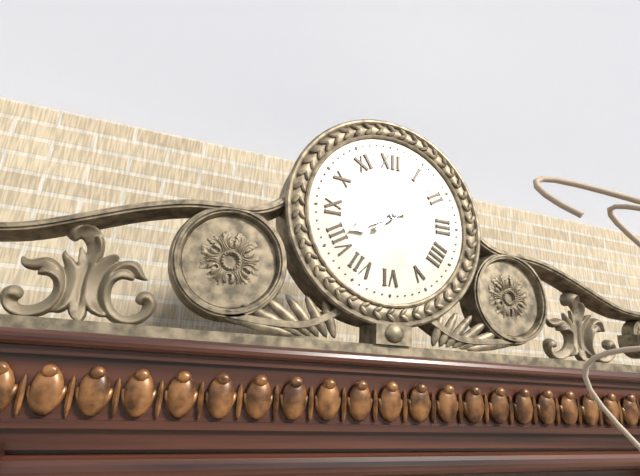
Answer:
8h08
